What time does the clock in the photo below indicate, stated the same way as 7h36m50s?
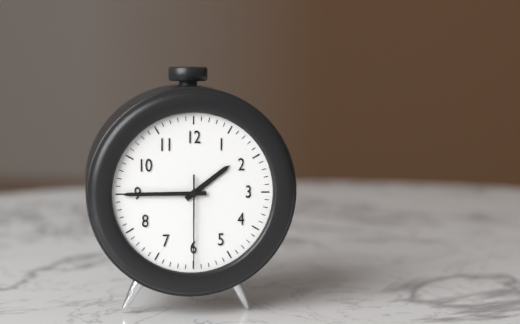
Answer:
1h45m30s
